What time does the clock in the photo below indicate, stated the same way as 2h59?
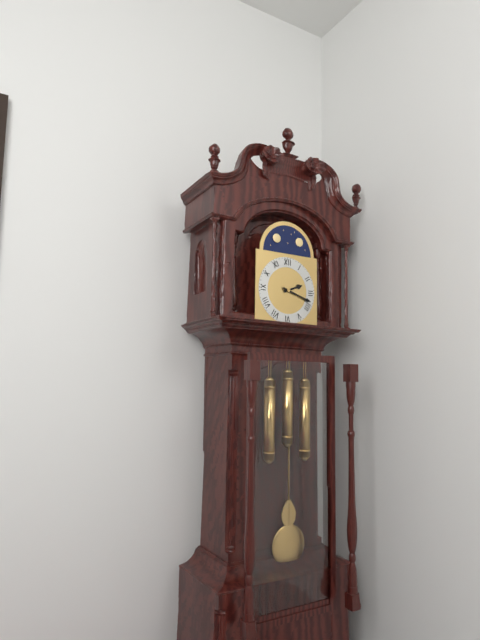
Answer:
2h18
